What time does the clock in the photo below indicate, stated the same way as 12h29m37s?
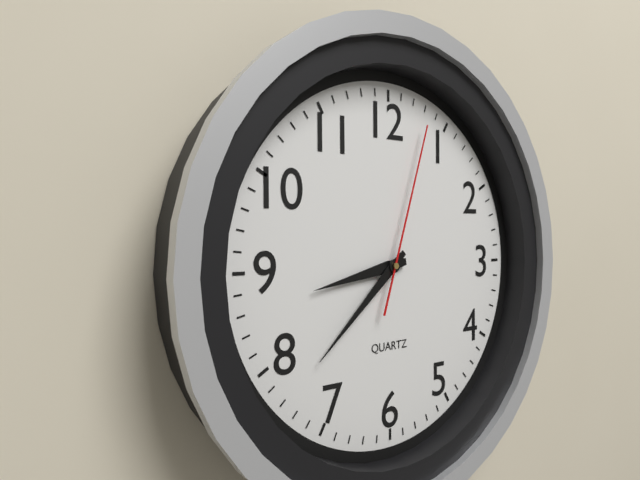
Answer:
8h38m03s
